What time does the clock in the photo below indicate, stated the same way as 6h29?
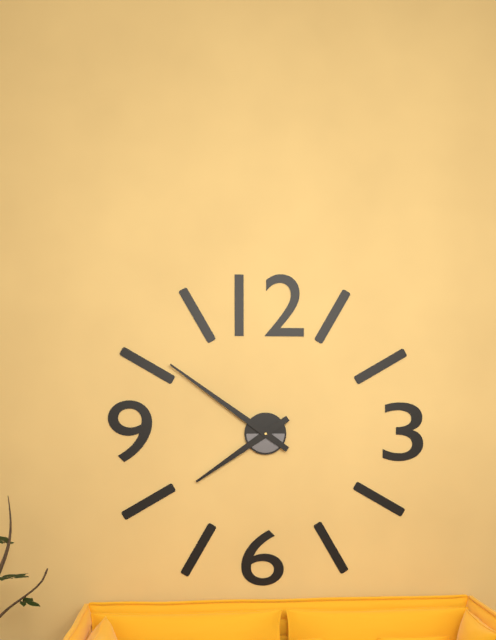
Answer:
7h51
